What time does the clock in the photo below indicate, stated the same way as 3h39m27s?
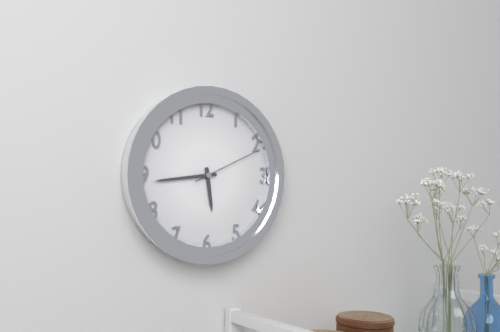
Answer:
5h44m11s
